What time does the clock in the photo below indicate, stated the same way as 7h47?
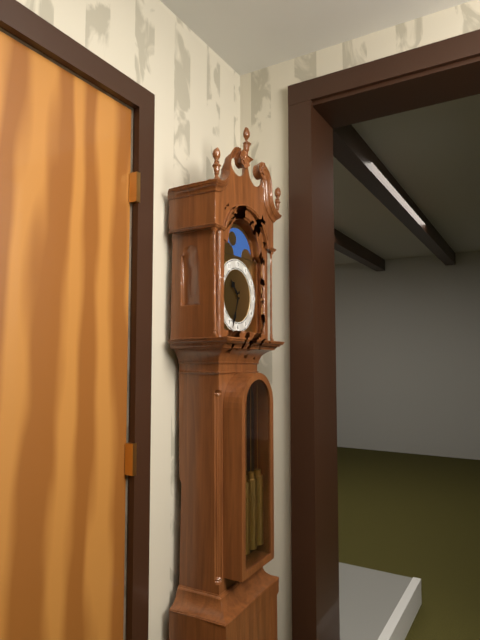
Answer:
10h33
